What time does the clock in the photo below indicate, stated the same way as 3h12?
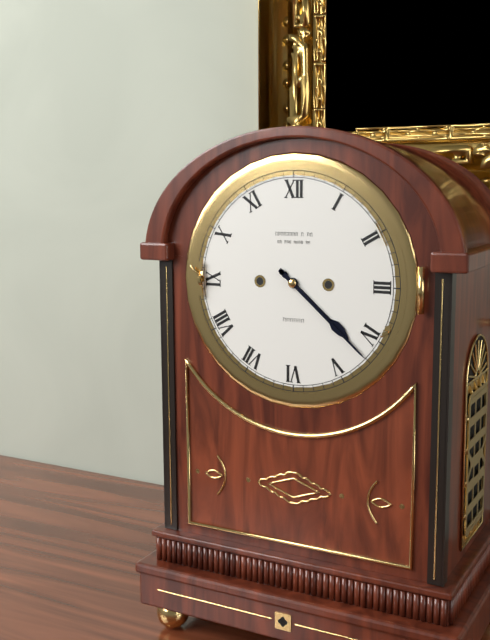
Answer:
4h22
